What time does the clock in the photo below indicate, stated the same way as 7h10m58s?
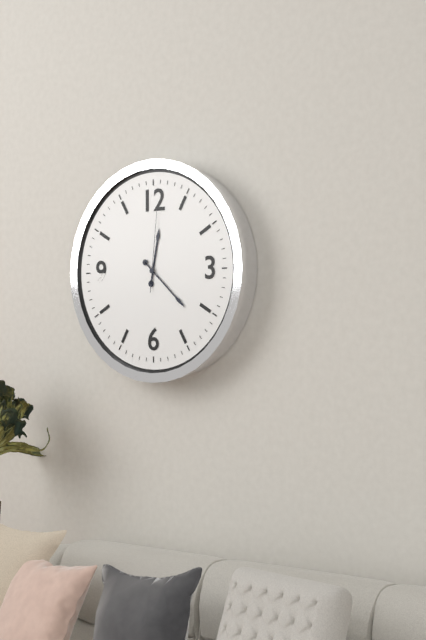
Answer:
12h22m01s
